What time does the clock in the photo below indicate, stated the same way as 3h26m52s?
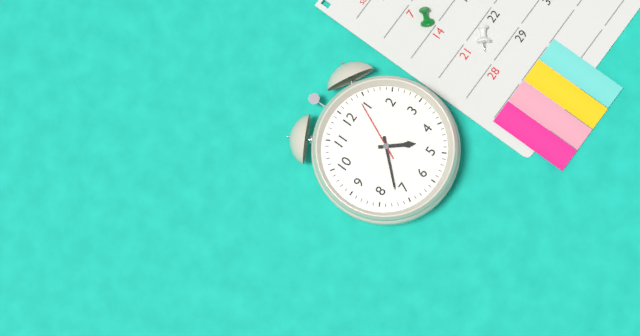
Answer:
4h37m04s
